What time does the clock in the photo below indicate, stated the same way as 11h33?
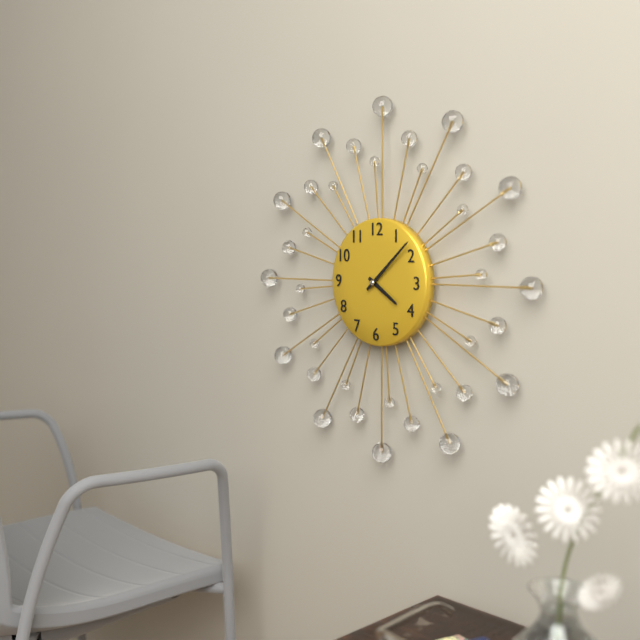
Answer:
4h08
